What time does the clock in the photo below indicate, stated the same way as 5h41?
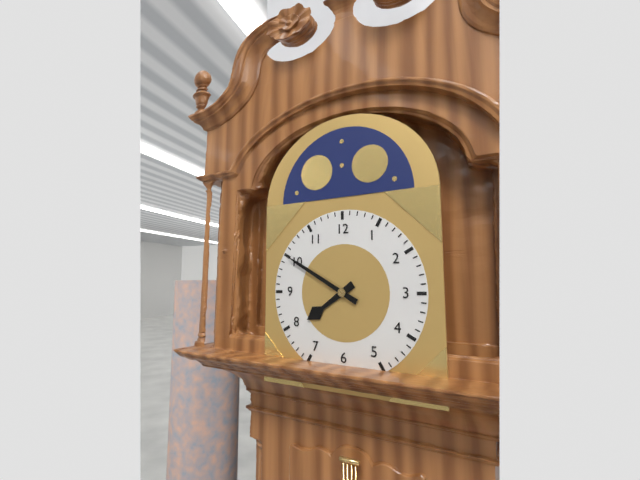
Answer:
7h50
